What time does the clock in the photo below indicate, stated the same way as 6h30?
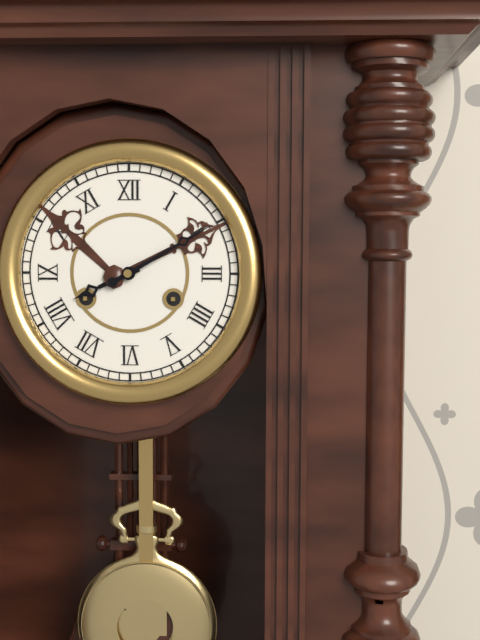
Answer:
8h10
